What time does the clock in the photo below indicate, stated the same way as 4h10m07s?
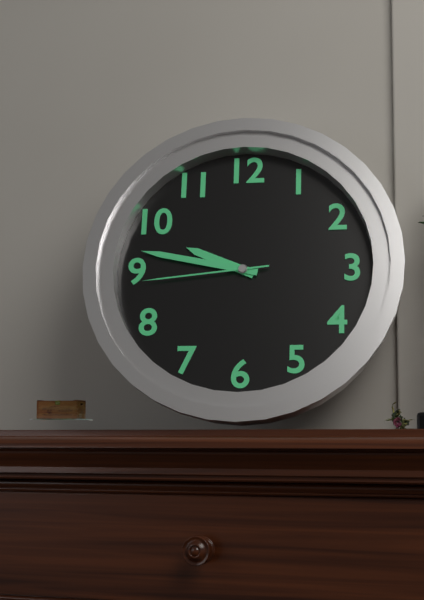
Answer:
9h47m44s
